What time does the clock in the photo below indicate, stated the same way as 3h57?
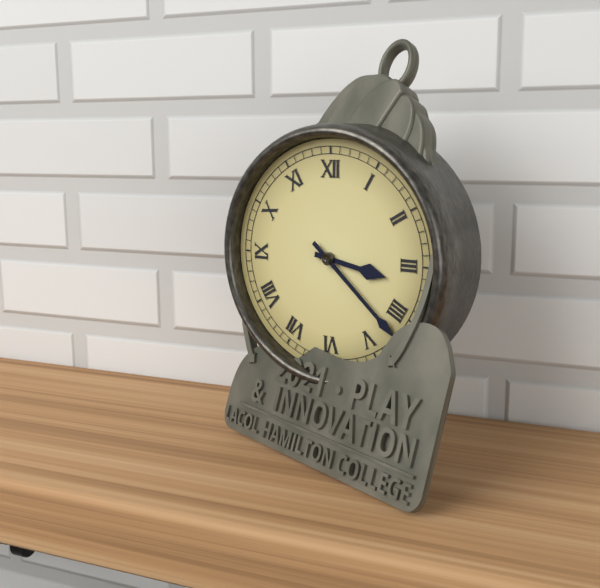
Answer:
3h22
